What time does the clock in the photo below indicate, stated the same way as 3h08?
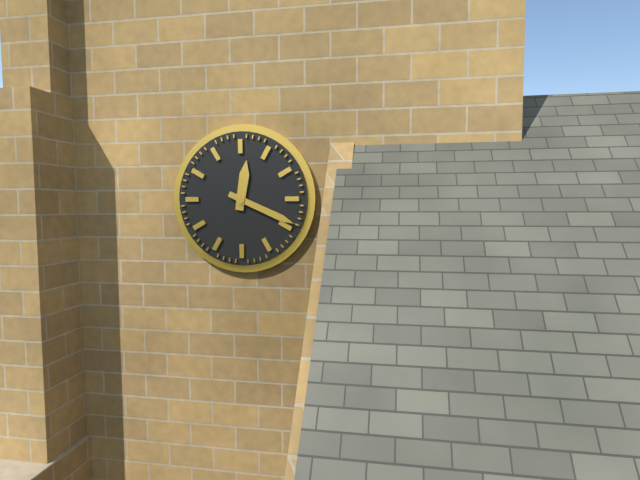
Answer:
12h19
